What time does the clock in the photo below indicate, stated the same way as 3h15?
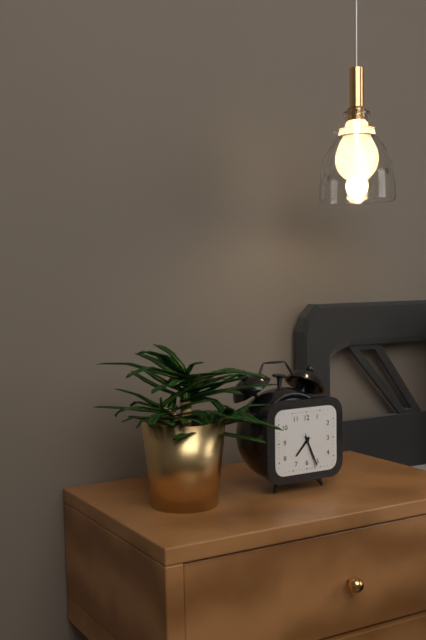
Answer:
7h26
